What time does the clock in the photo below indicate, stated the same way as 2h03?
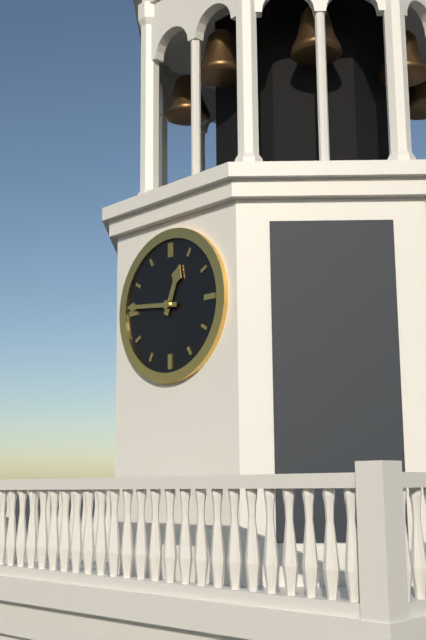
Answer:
12h46
